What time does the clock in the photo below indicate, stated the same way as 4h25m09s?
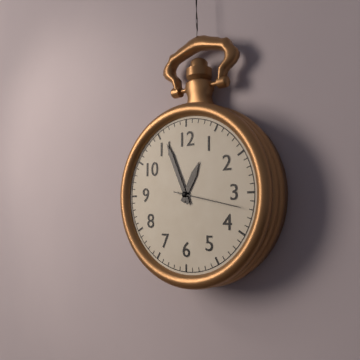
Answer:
12h56m17s
